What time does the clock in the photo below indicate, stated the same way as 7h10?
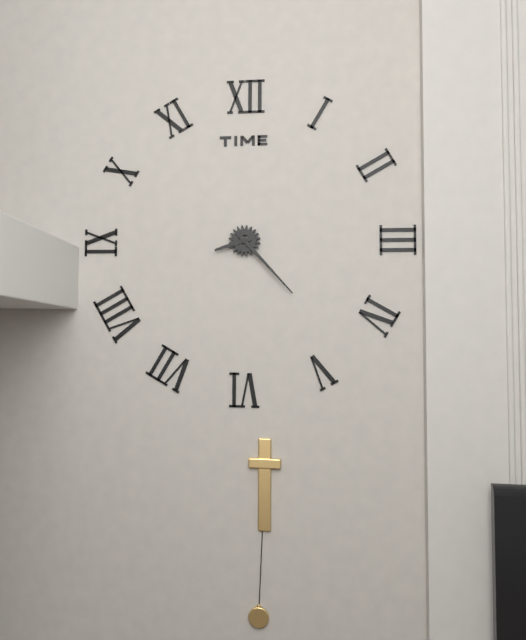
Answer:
8h23
